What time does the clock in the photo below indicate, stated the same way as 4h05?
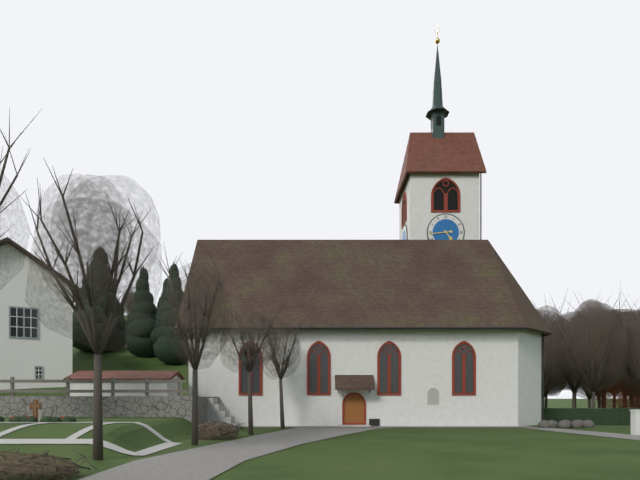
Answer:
4h44
